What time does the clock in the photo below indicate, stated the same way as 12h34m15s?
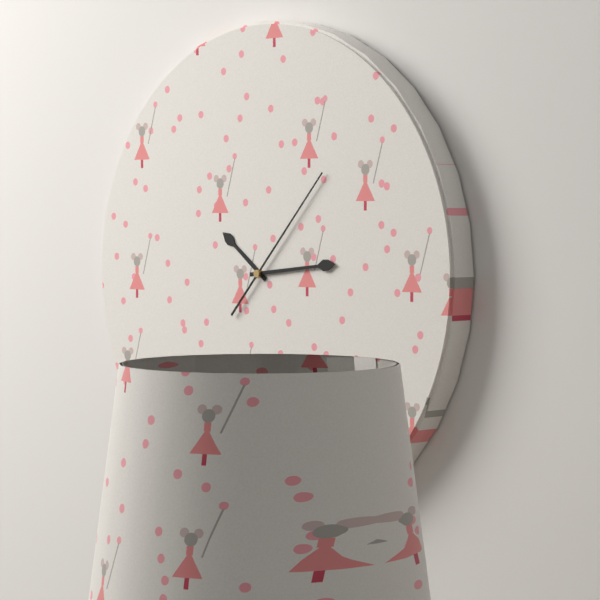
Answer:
10h14m07s
